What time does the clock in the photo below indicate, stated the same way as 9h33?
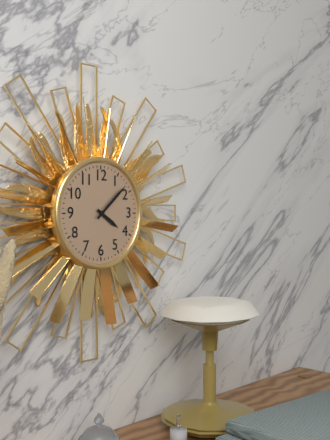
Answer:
4h08
